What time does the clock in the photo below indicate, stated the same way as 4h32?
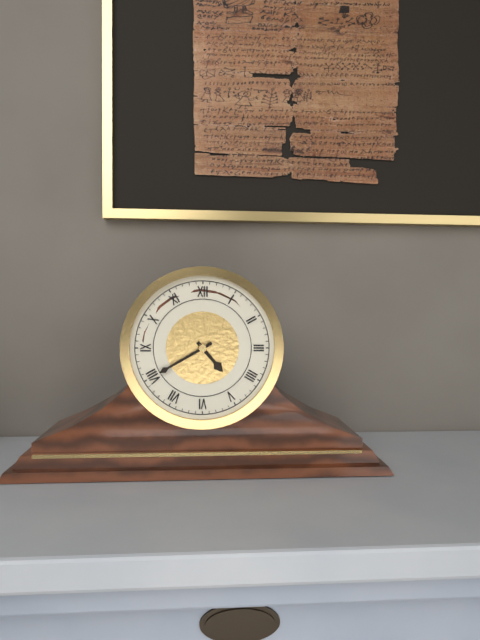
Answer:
4h40
